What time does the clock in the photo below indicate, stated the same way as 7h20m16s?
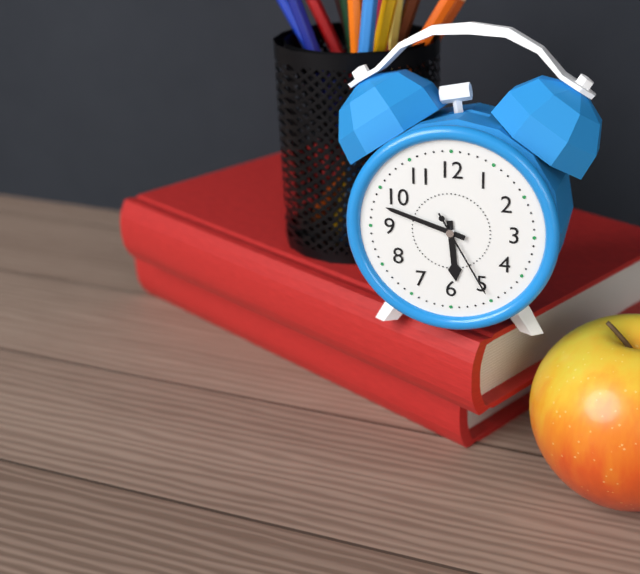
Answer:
5h48m25s
